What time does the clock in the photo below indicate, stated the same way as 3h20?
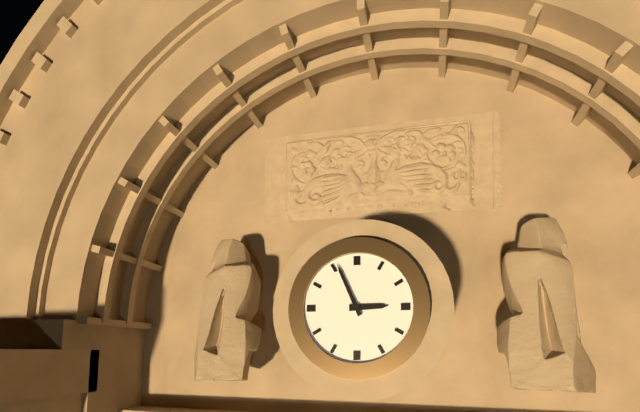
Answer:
2h56
